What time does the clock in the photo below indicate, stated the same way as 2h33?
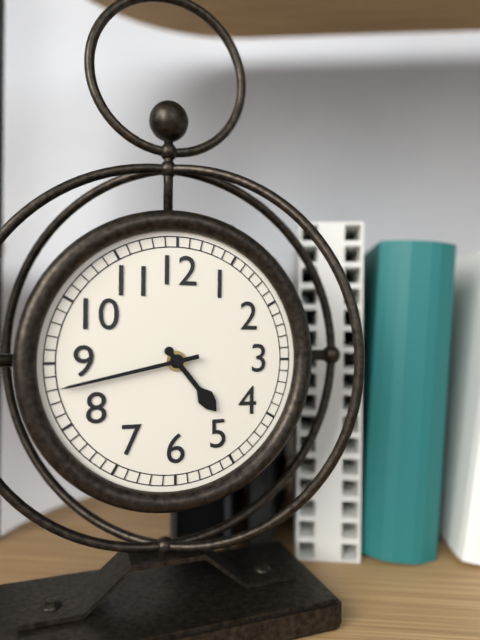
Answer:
4h43
